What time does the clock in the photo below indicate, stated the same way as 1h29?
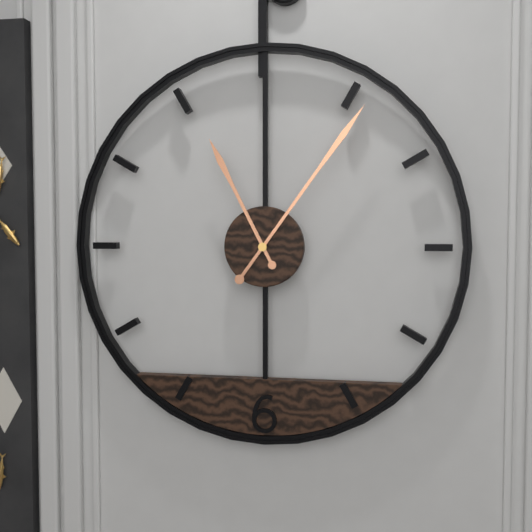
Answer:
11h06
